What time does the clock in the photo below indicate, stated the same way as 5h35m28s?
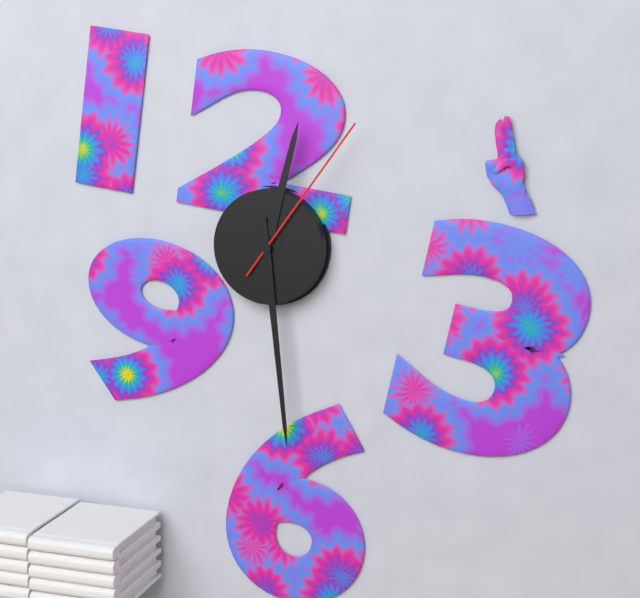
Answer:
12h29m06s
